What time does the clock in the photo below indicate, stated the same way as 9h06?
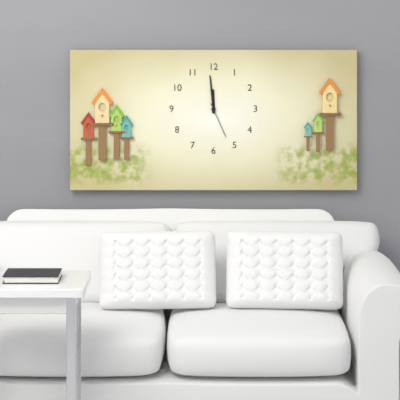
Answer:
11h59
